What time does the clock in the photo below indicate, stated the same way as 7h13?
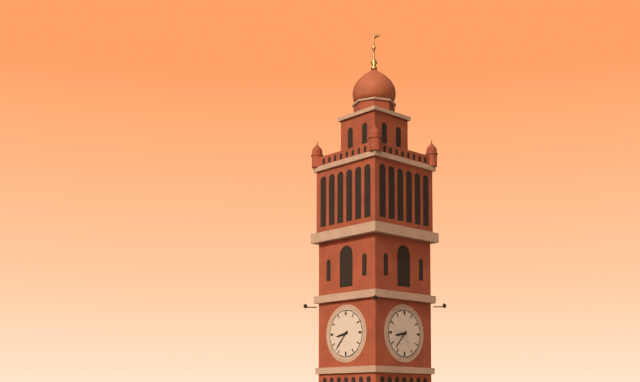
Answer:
8h37
